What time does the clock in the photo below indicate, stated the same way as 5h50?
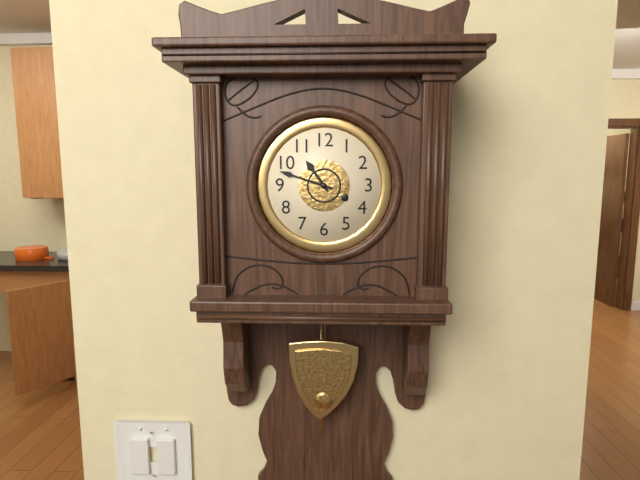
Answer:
10h48
